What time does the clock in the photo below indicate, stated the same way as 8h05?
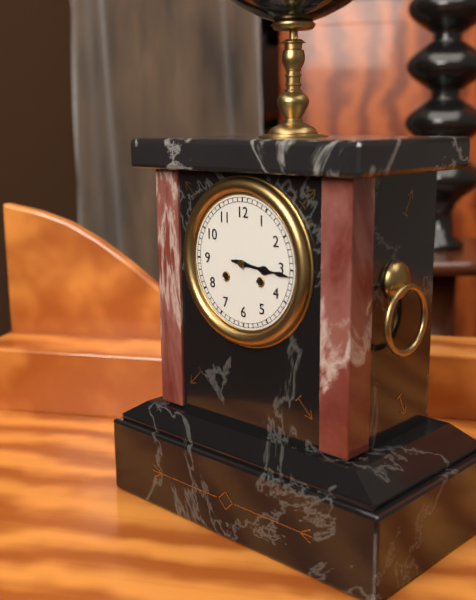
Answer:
3h16
